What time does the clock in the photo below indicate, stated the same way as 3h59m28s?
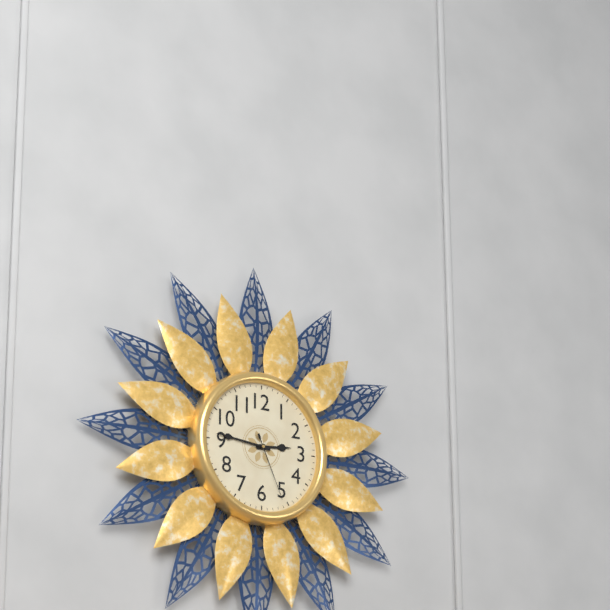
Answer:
2h46m26s
